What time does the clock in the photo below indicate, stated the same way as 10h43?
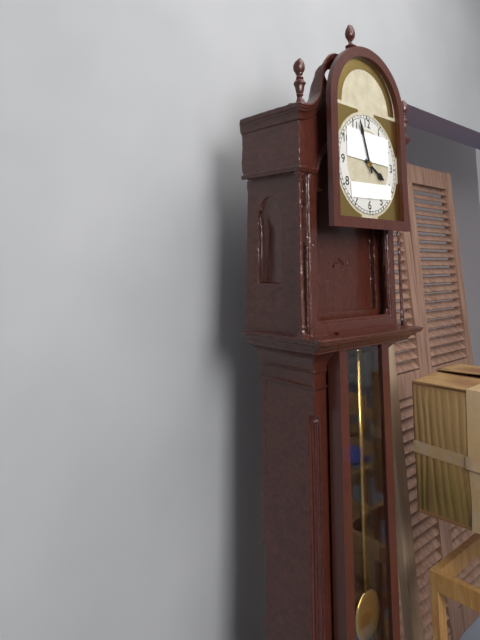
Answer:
3h57
